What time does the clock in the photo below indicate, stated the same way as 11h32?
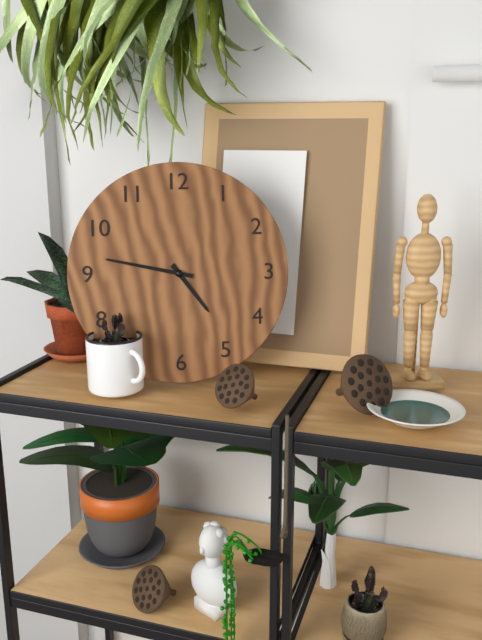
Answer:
4h47
